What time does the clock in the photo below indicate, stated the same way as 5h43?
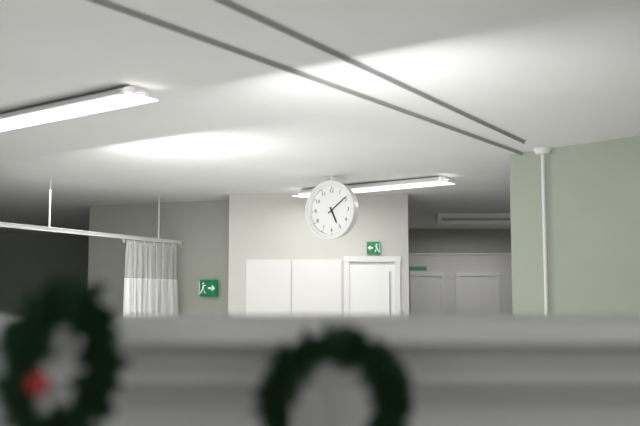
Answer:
5h09
